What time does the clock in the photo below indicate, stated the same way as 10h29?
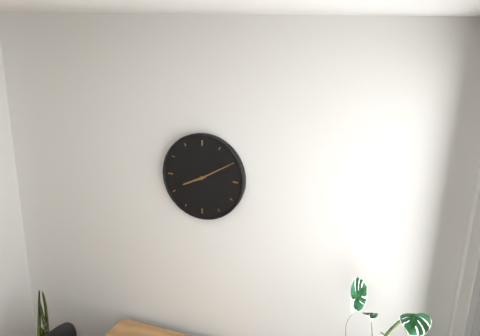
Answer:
8h10
